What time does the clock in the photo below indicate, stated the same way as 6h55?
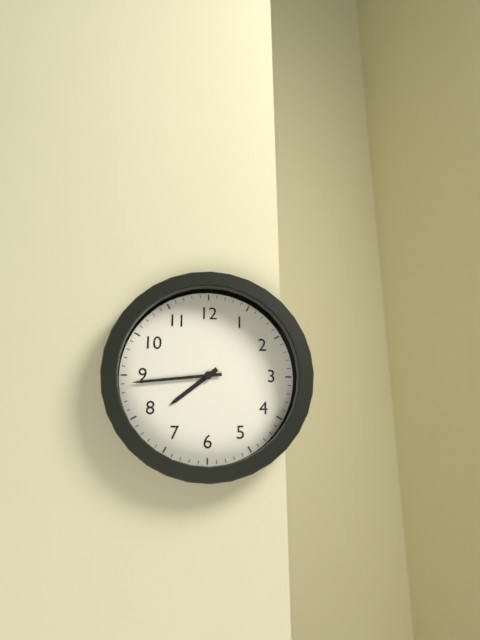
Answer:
7h44
